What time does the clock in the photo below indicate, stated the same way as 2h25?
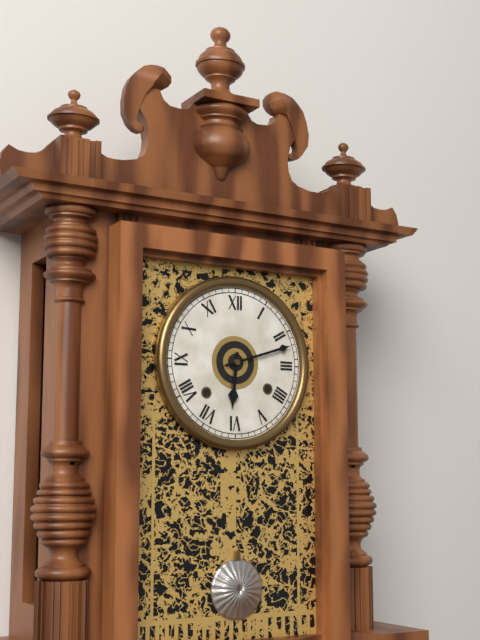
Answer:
6h12
